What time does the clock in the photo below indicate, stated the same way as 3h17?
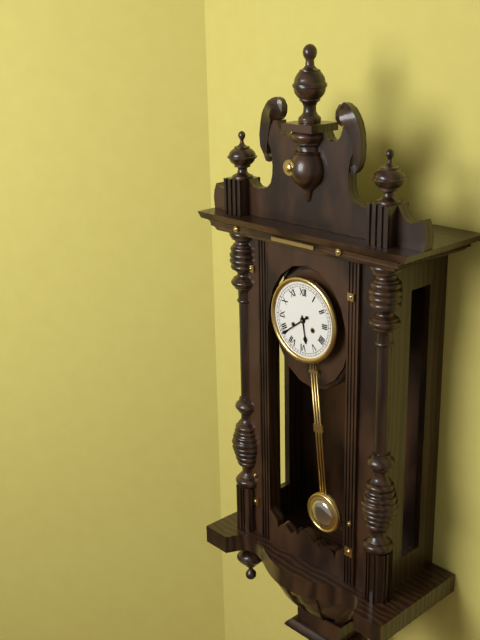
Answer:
5h39
